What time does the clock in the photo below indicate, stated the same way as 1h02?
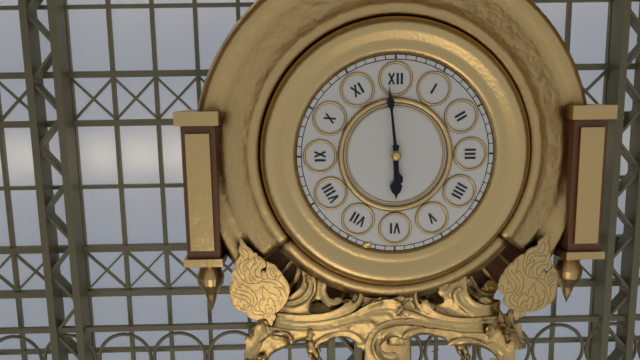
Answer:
5h59
